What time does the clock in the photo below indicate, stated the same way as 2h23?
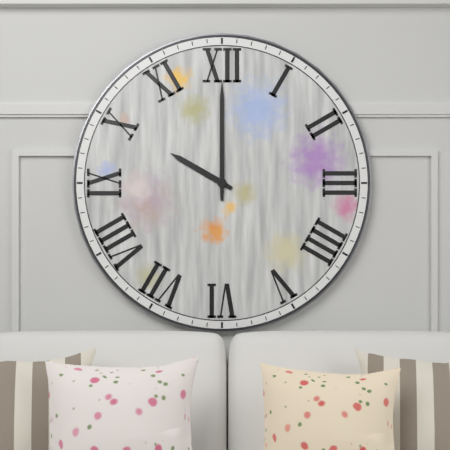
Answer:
10h00
